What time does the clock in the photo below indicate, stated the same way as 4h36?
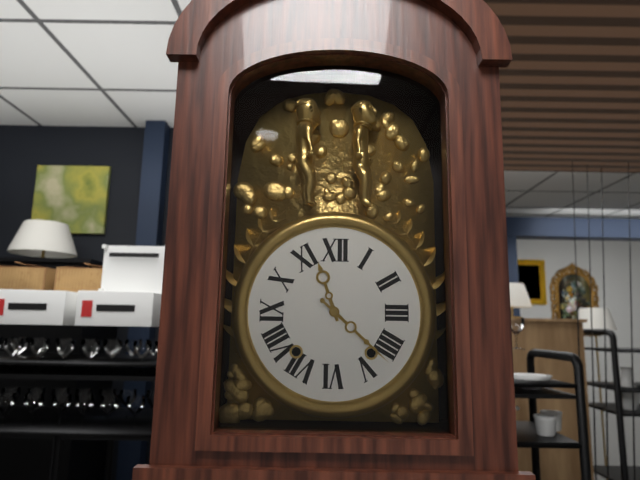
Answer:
11h22
